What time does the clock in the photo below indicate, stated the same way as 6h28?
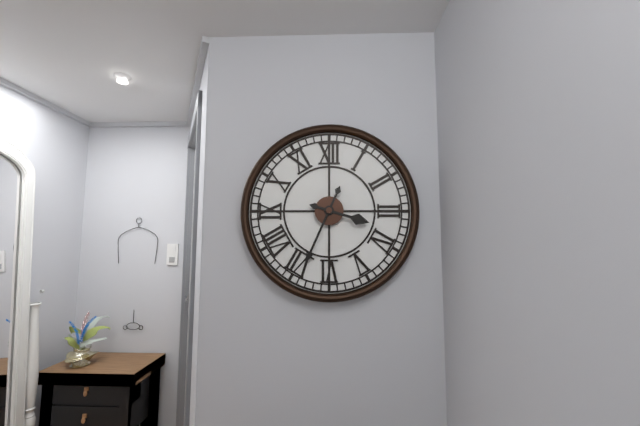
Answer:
3h34
